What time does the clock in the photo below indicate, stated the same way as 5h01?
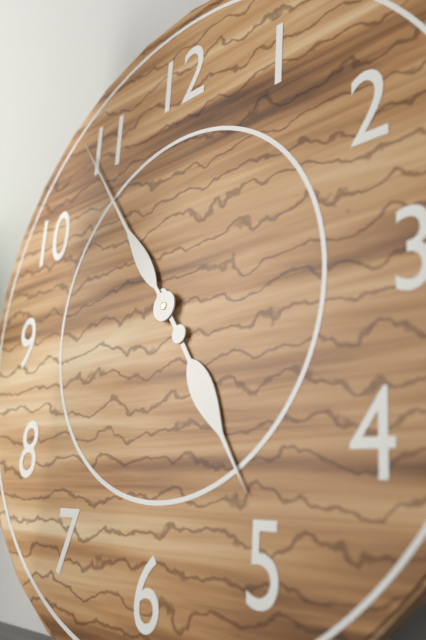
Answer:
4h54
